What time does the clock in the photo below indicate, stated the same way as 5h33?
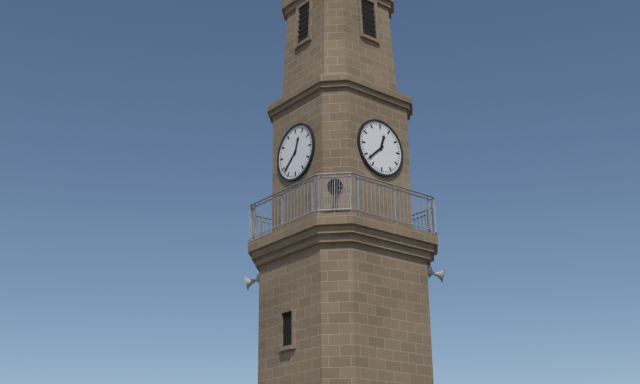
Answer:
12h38
